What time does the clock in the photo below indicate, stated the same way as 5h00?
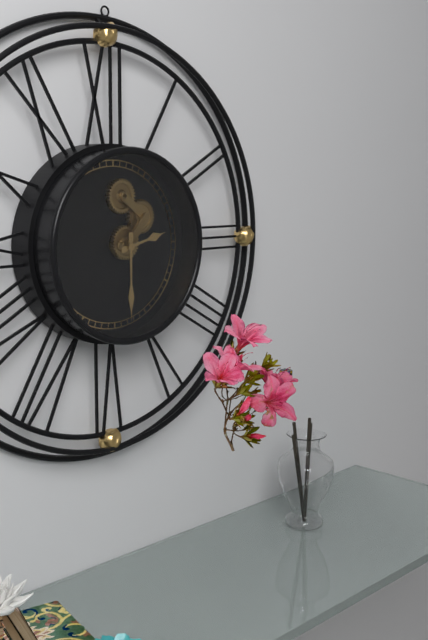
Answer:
2h30
